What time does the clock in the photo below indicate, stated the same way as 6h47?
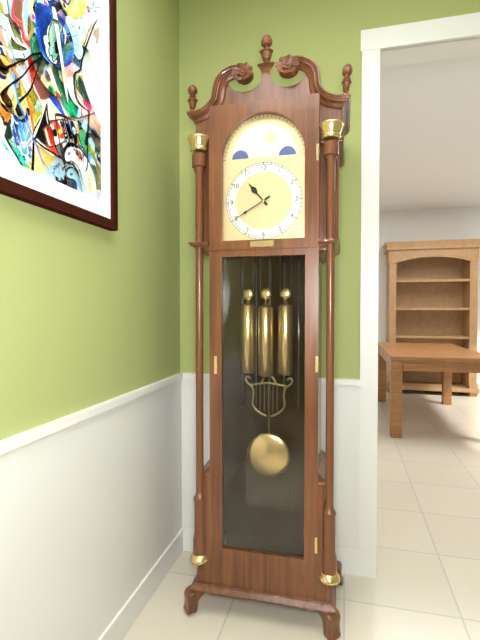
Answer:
10h40
